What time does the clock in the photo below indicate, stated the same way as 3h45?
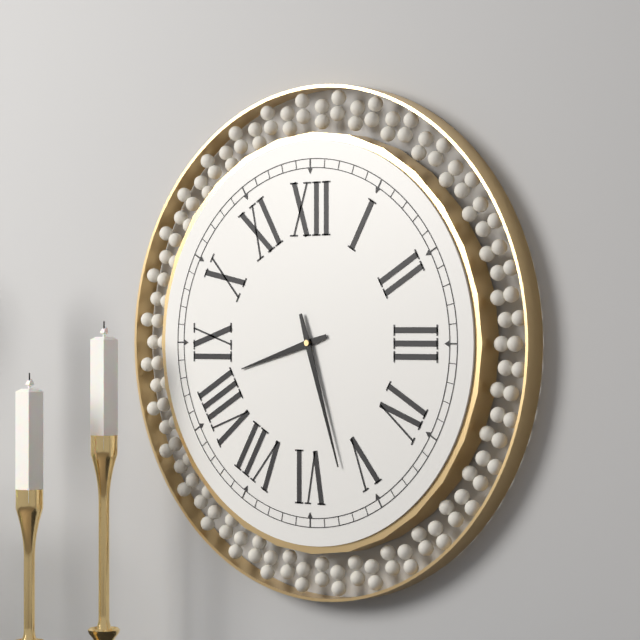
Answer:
8h27
